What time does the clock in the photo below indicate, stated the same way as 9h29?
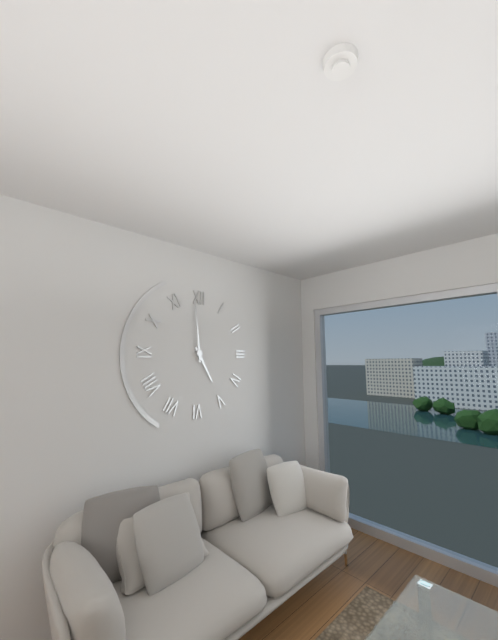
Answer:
4h59
